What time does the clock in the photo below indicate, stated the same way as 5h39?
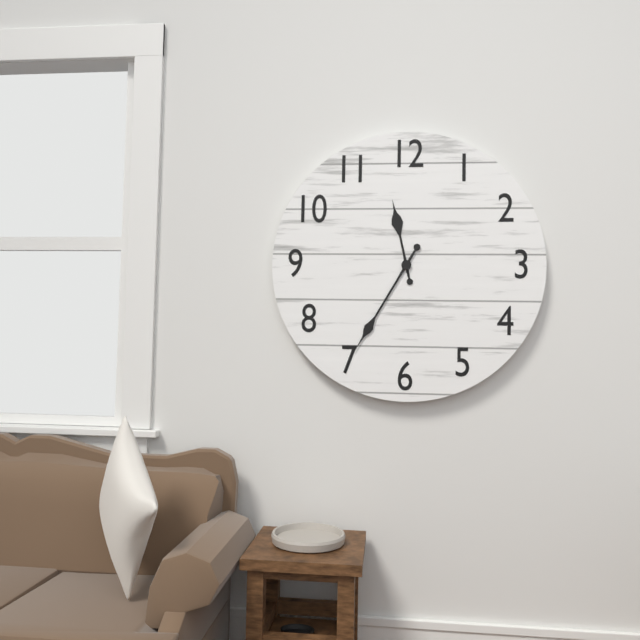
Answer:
11h35
